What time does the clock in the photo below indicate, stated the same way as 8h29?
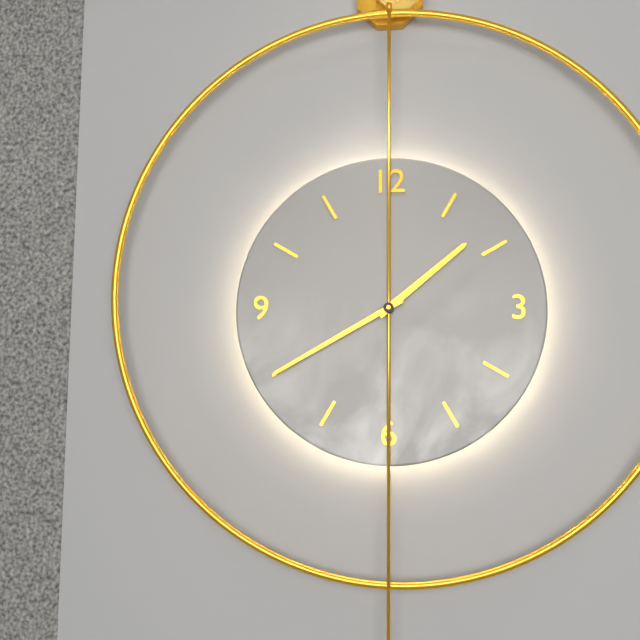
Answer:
1h40
